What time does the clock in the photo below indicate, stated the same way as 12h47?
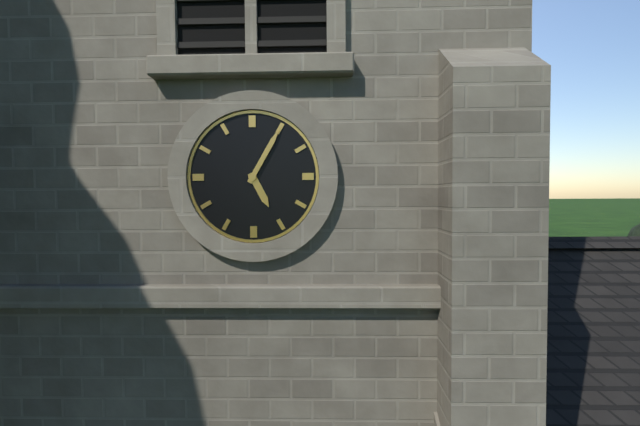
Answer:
5h05
